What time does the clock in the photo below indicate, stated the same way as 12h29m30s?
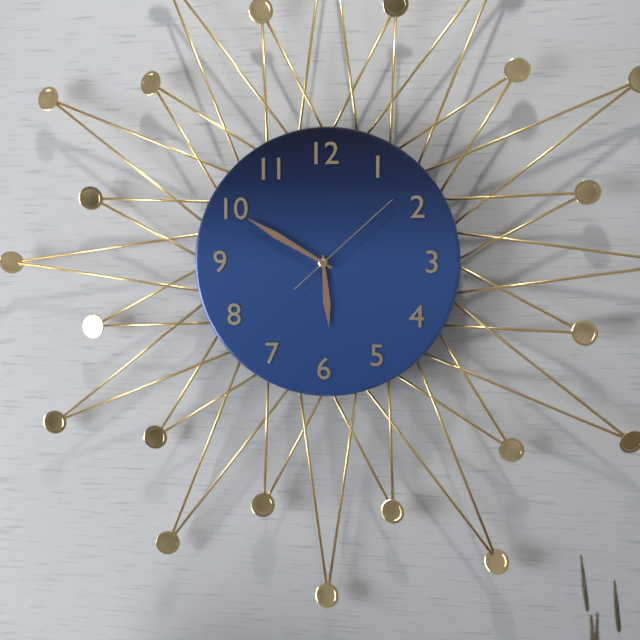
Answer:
5h50m08s
